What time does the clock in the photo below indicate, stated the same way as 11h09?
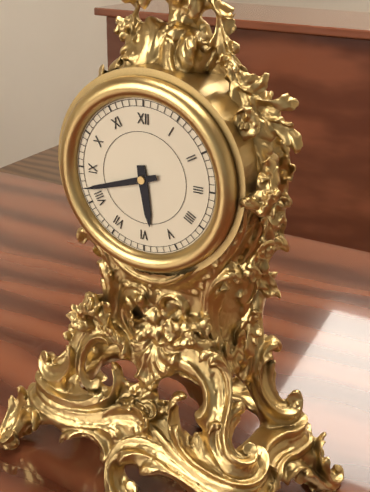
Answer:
5h42
